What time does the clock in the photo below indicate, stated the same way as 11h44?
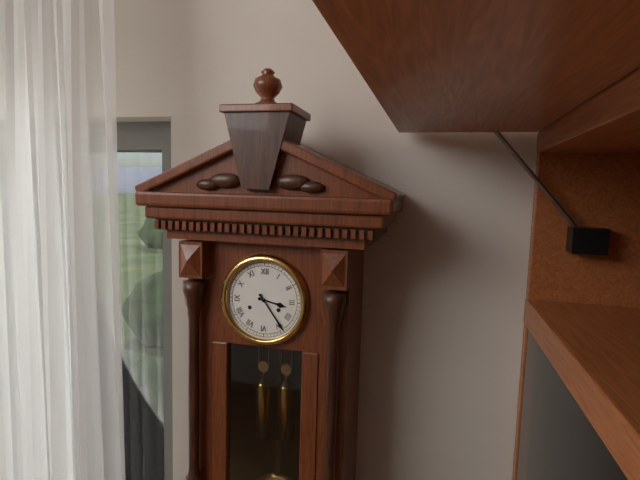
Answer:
3h24
